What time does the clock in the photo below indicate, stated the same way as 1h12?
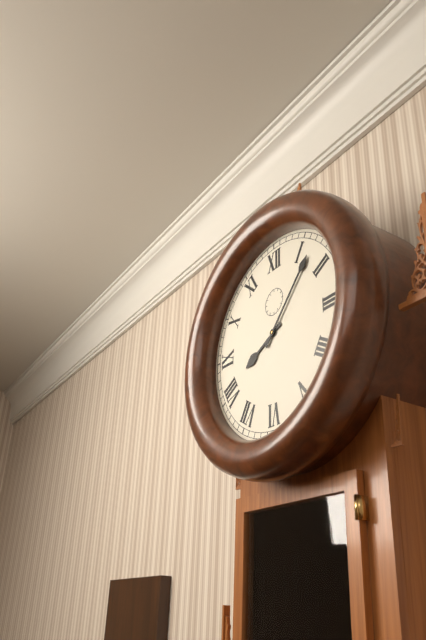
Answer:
8h07
